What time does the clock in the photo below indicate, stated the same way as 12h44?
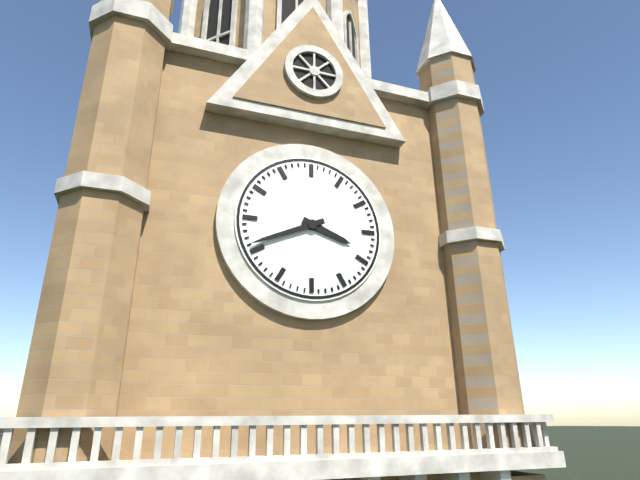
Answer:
3h41
